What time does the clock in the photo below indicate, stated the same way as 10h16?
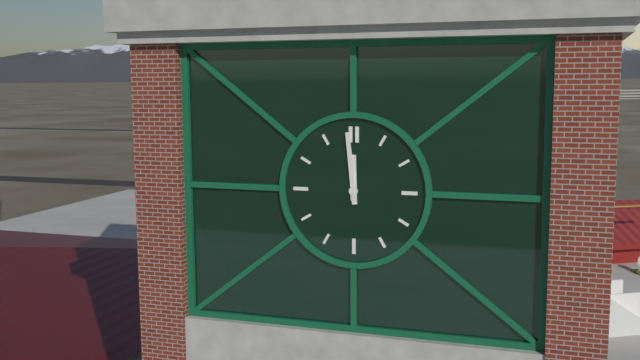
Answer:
11h59
